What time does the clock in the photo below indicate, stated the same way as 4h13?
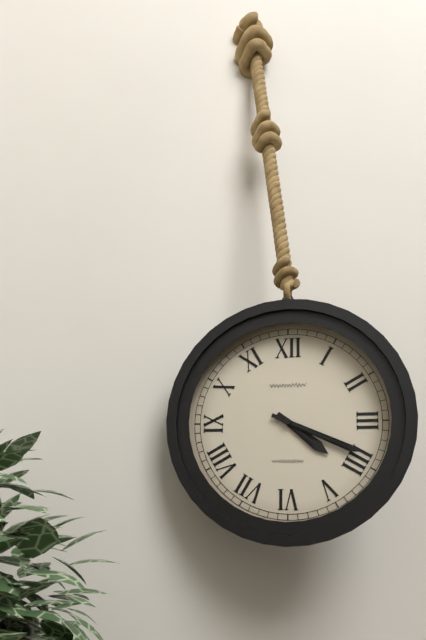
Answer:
4h19
